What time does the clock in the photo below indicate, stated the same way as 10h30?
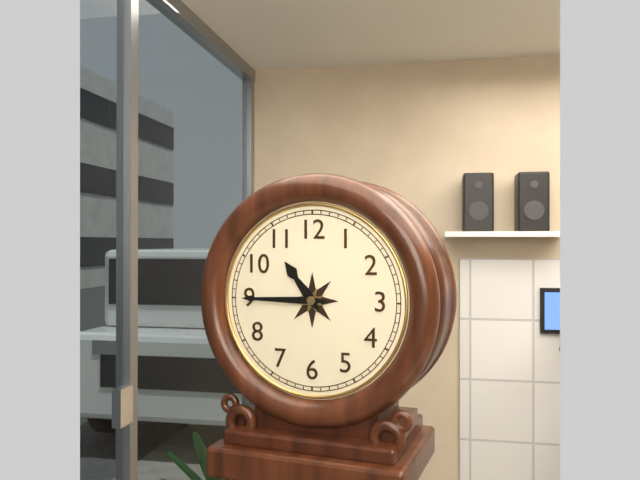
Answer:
10h45
